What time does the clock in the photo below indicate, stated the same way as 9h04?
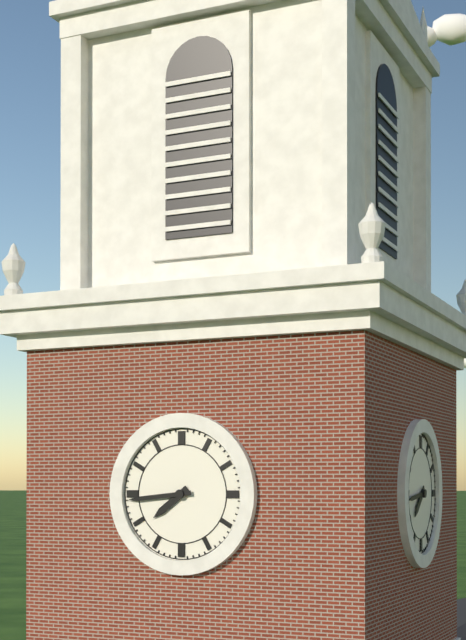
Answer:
7h44
